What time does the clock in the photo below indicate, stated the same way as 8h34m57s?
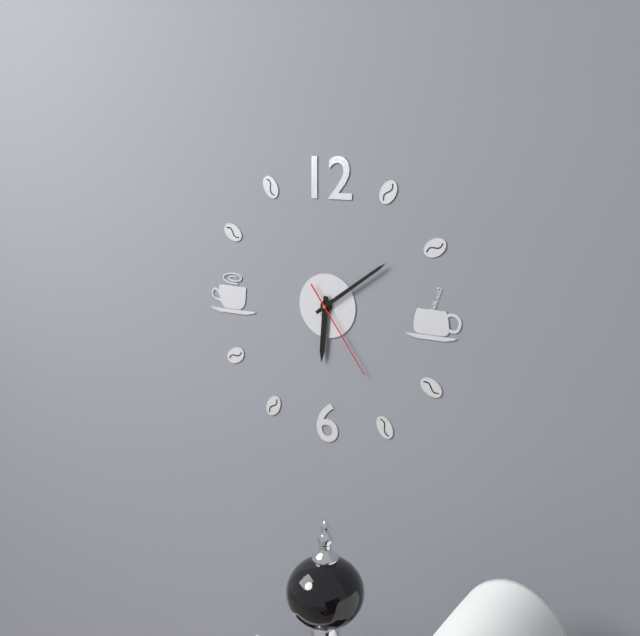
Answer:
6h09m24s
